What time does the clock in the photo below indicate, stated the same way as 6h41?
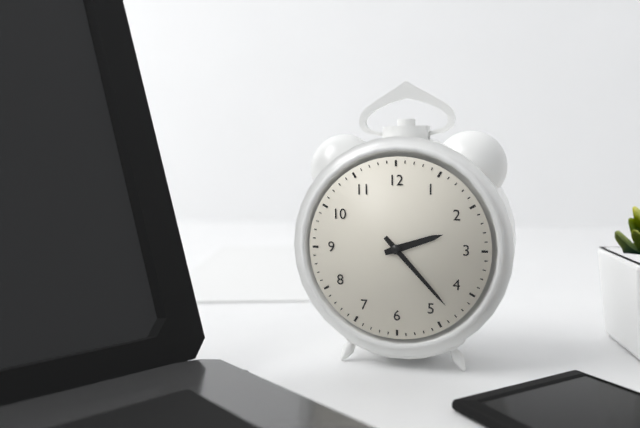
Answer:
2h23
